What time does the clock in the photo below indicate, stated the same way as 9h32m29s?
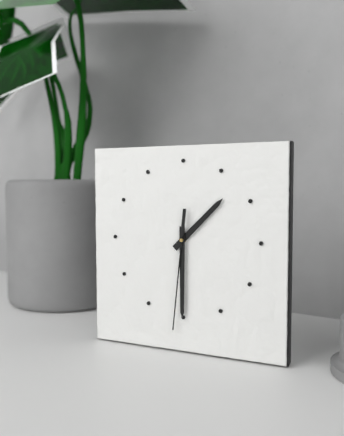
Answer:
1h30m31s
